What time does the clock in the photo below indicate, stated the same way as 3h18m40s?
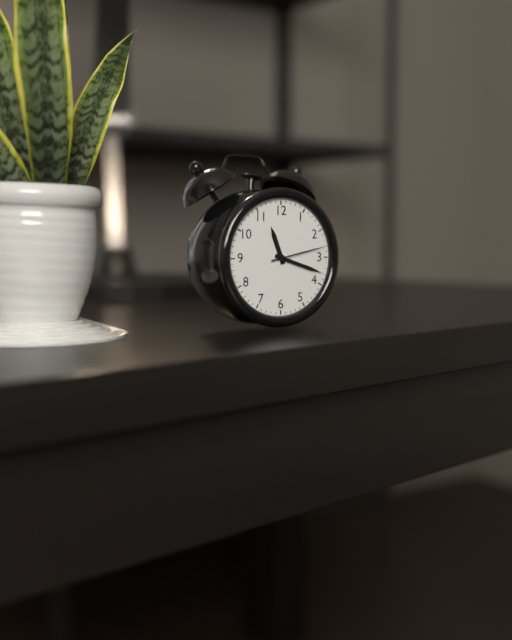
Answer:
11h18m13s
